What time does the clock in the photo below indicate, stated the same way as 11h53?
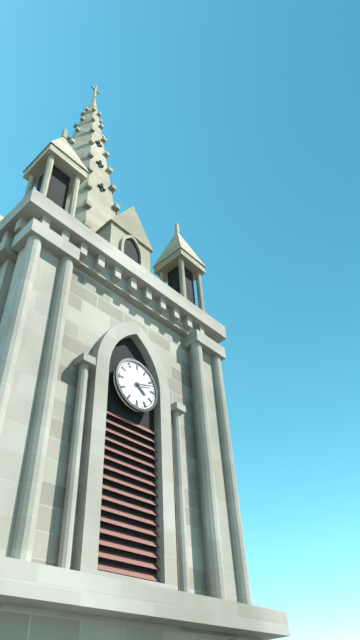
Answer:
4h12
